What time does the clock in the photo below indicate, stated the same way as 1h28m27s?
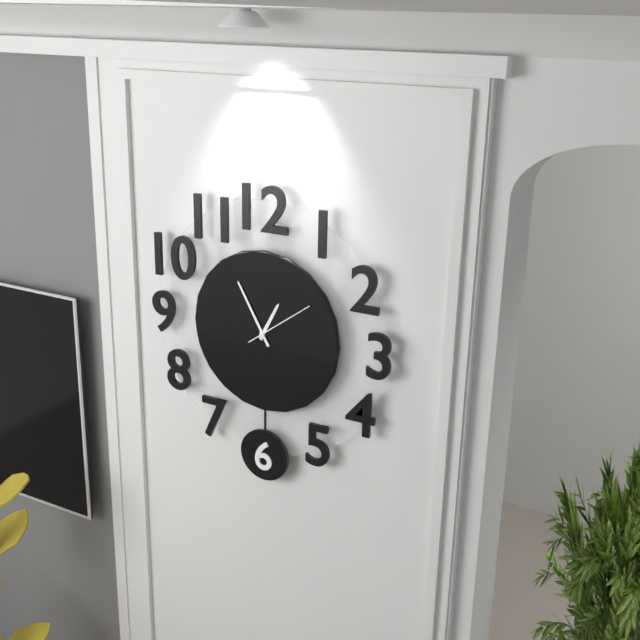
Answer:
12h55m09s
